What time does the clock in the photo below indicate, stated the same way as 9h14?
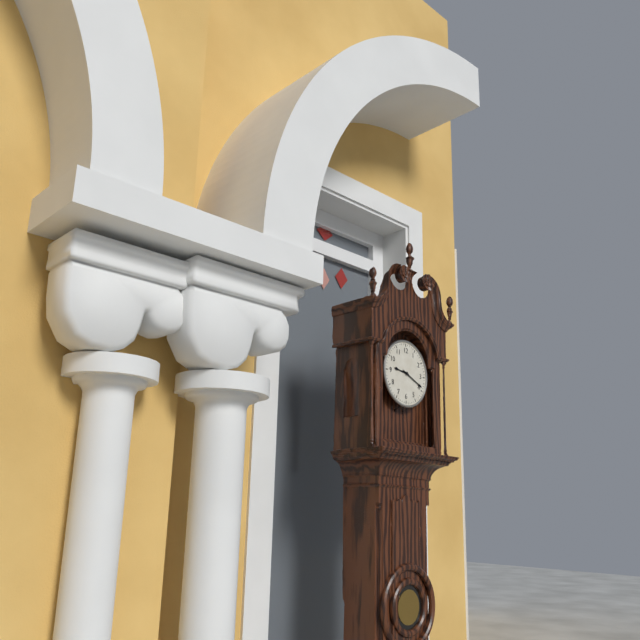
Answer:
9h19
